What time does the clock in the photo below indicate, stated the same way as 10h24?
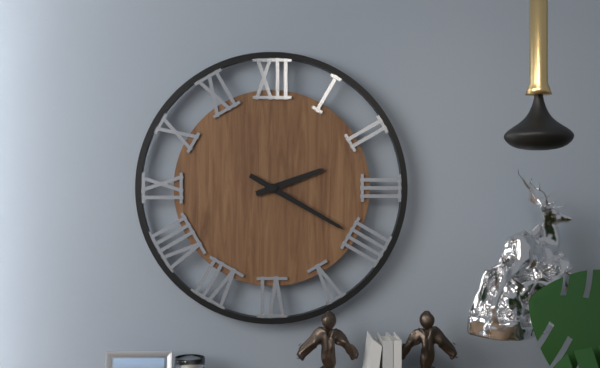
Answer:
2h20
